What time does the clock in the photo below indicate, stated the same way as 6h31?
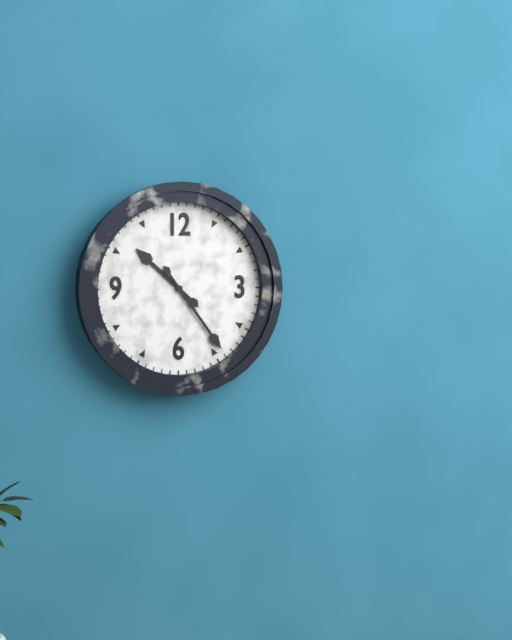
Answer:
10h24
